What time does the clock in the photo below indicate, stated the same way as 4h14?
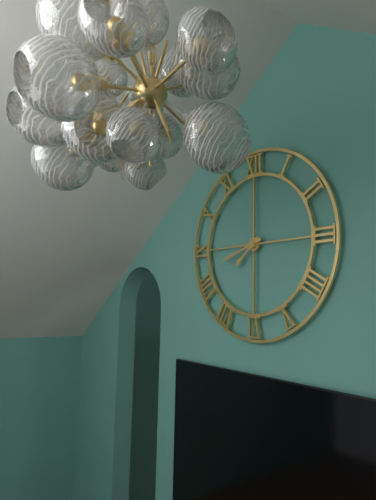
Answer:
7h42
